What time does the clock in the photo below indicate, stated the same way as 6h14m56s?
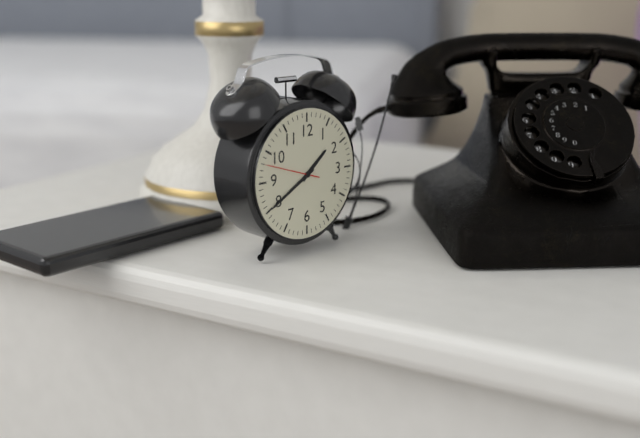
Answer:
1h40m48s
